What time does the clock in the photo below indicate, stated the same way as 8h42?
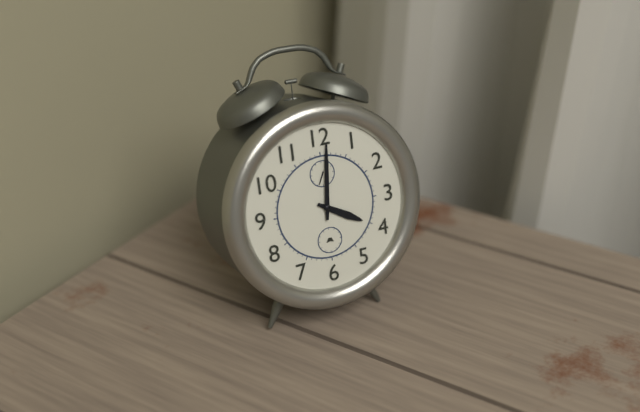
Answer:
4h01
